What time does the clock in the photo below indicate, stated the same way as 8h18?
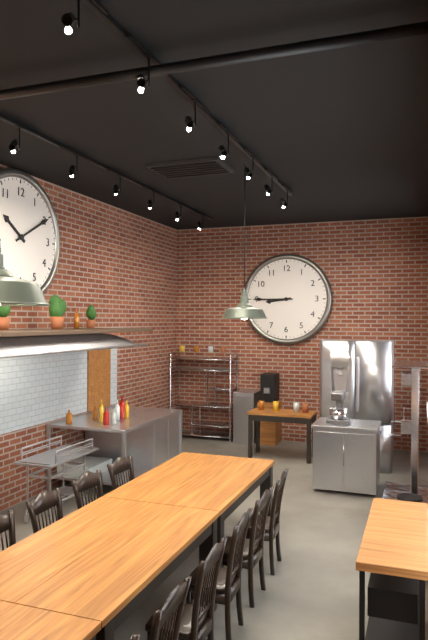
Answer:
8h45
